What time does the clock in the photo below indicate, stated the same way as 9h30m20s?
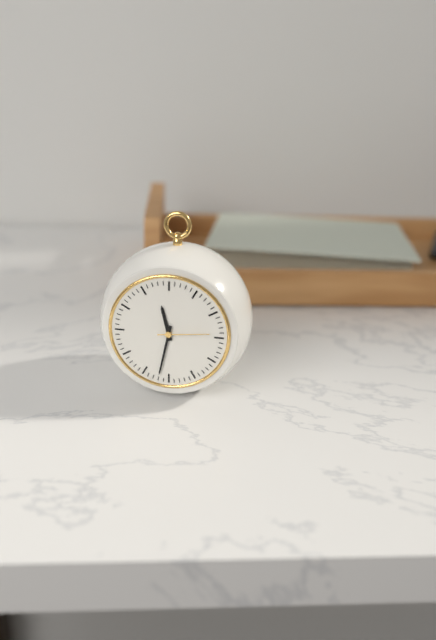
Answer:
11h32m14s
